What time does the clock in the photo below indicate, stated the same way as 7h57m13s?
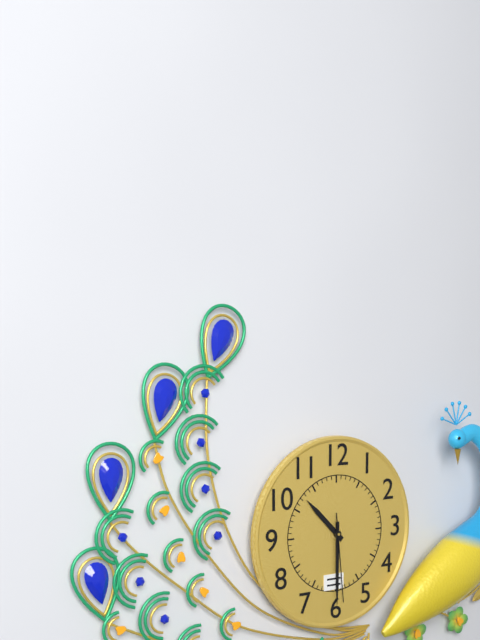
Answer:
10h30m29s
